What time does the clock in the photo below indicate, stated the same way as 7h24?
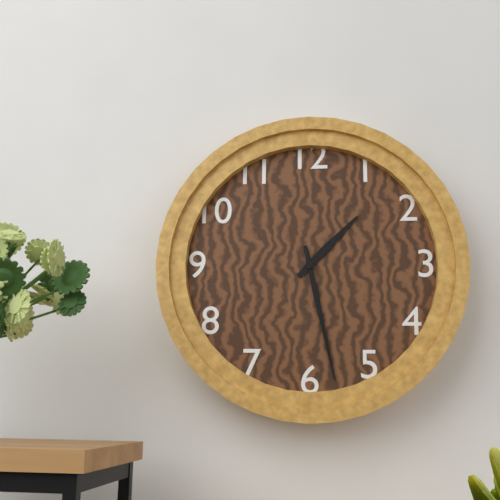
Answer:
1h28
